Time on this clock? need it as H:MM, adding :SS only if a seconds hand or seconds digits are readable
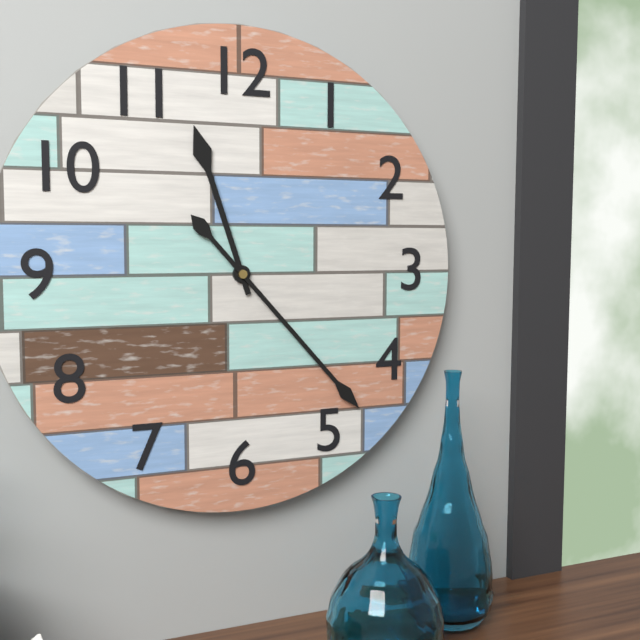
11:23
